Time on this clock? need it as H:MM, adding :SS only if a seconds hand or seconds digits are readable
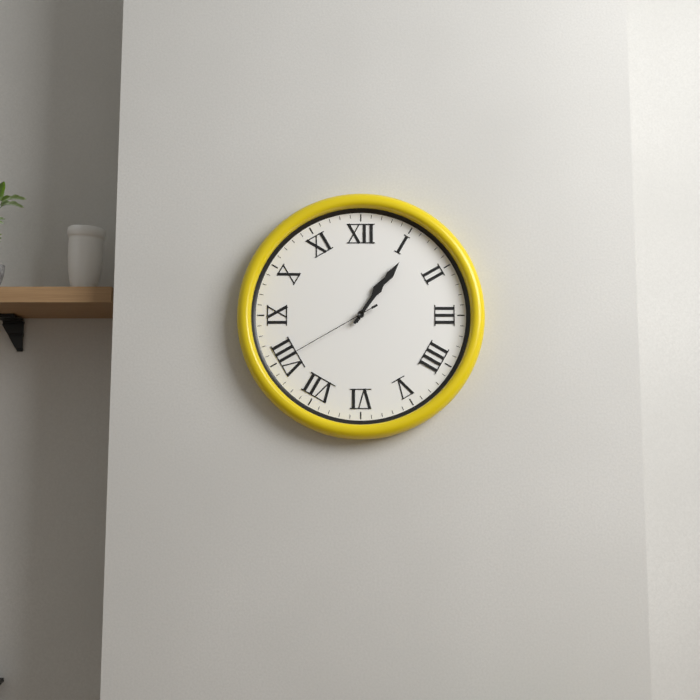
1:06:40
